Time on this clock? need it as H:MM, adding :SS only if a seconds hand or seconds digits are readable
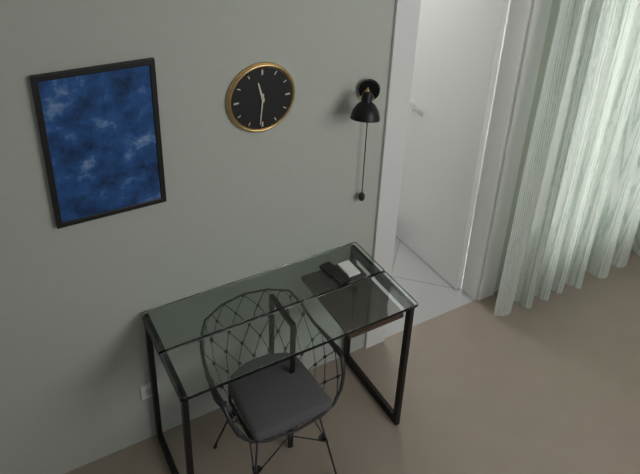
11:31
